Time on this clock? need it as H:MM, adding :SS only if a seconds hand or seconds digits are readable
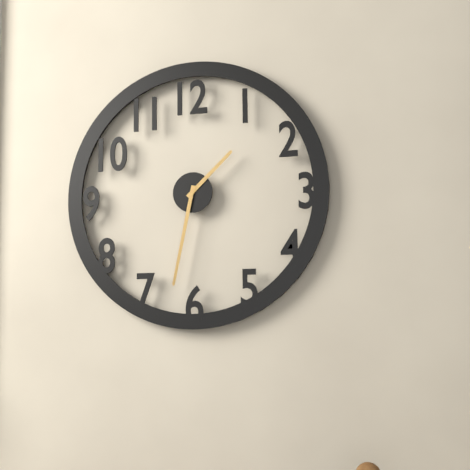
1:32
